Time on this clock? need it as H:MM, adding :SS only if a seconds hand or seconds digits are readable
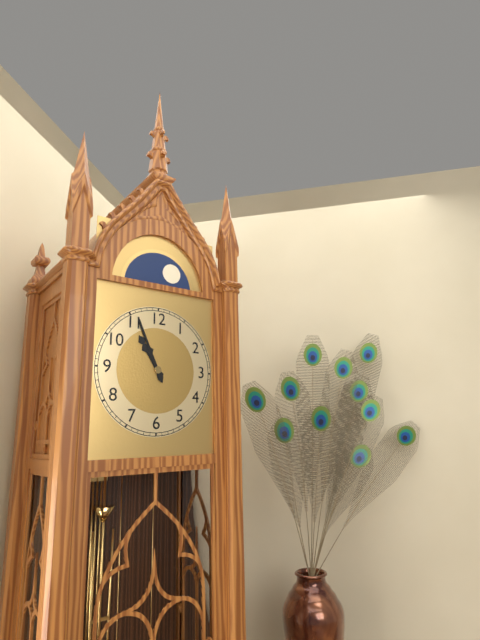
10:56
